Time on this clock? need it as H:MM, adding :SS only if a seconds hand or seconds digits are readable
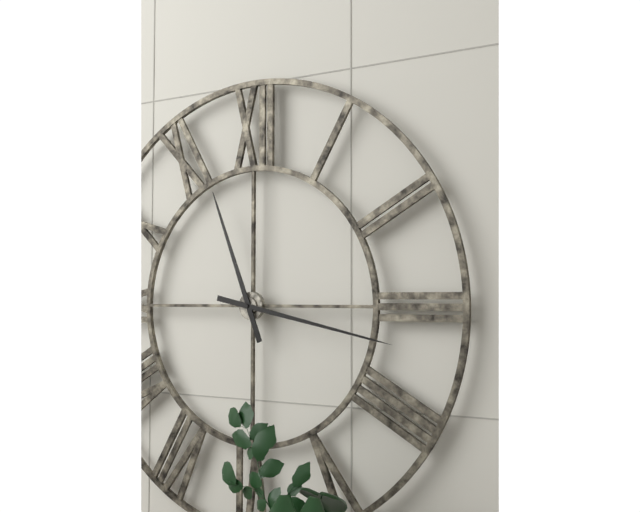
11:17
